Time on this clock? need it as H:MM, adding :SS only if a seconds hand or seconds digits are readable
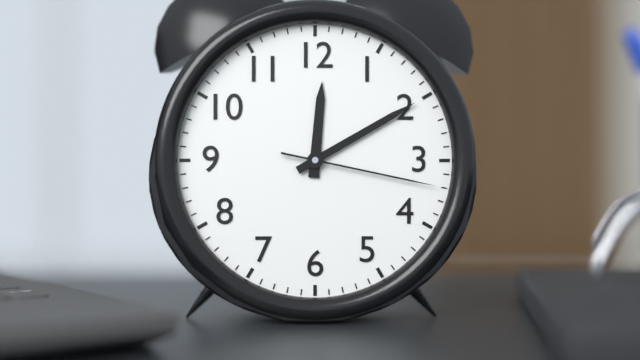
12:10:17
